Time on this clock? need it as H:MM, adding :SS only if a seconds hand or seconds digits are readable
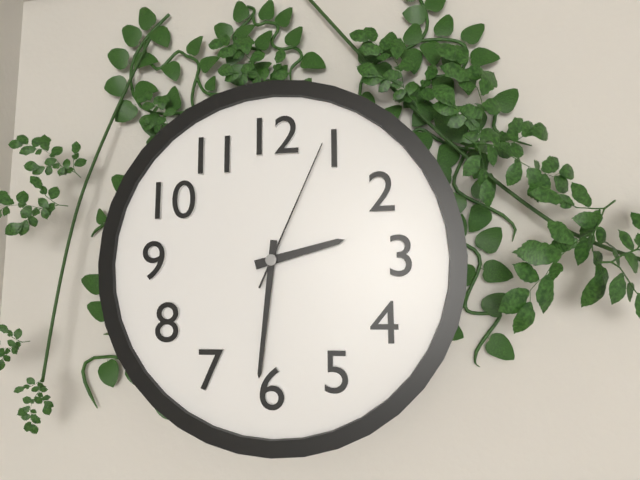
2:31:04
